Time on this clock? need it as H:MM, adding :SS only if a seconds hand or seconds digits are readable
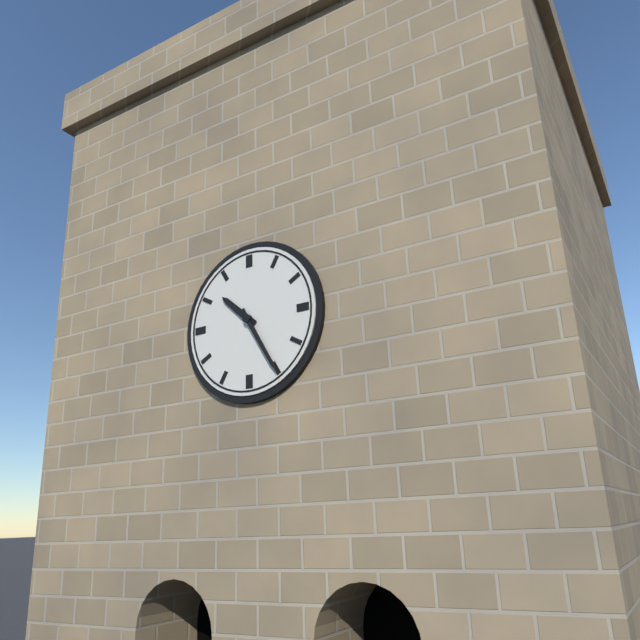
10:25
